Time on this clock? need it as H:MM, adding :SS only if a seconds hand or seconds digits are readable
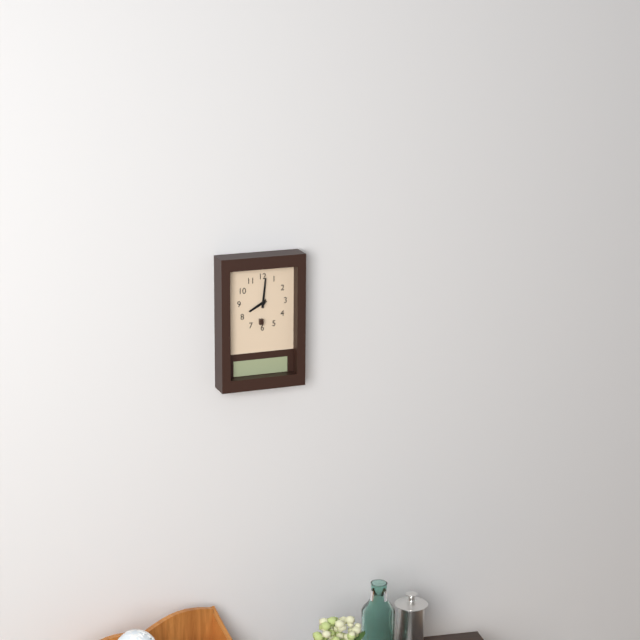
8:01
